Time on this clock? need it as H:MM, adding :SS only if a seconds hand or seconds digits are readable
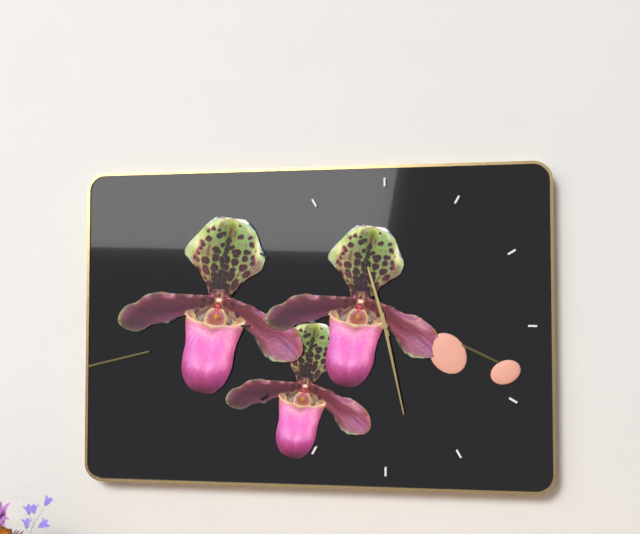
11:28
